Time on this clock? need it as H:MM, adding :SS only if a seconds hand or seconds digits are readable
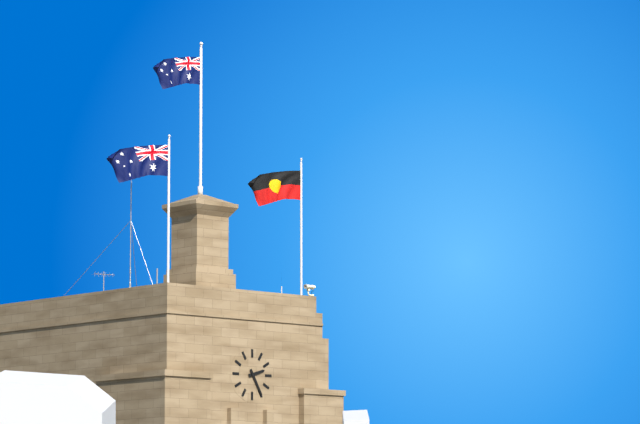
2:25
